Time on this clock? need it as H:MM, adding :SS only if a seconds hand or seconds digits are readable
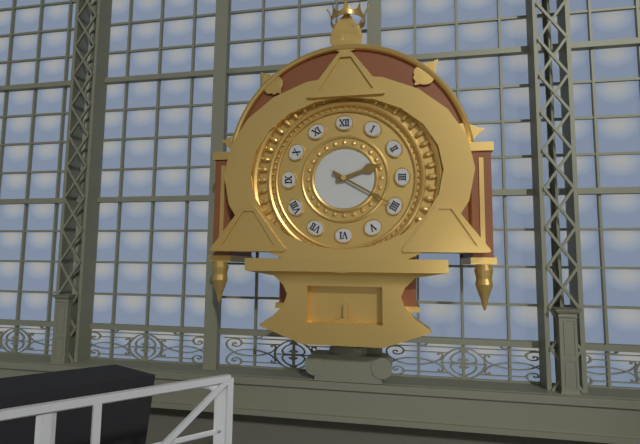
2:20
